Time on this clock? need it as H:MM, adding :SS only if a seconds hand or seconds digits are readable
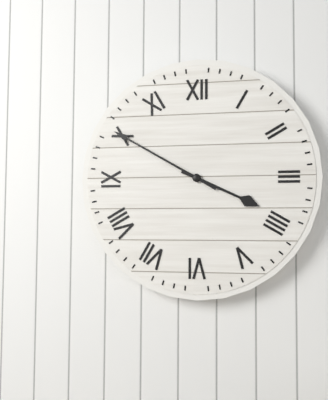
3:50
